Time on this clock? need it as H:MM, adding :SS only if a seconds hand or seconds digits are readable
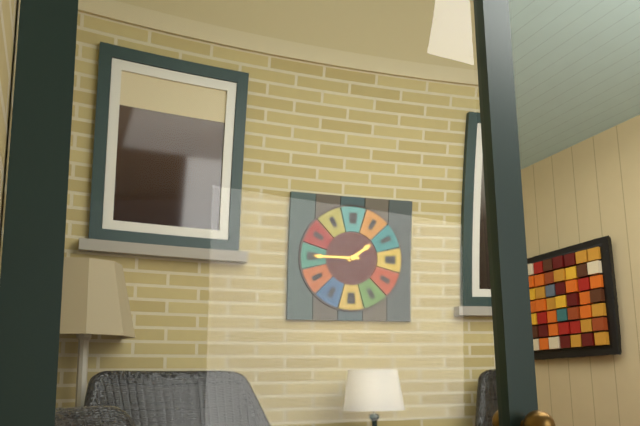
1:45
